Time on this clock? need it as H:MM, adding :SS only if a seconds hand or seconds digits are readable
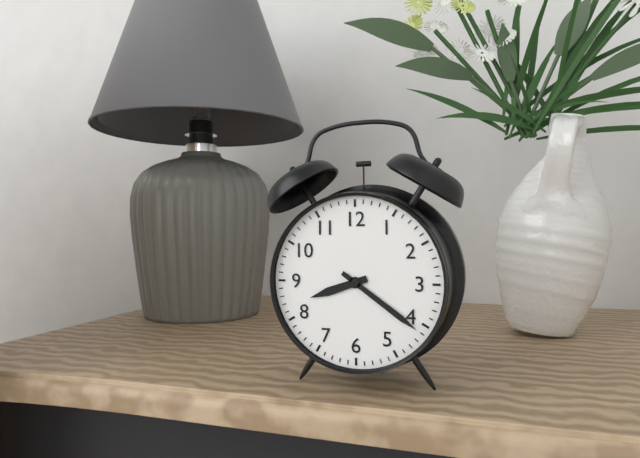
8:21
